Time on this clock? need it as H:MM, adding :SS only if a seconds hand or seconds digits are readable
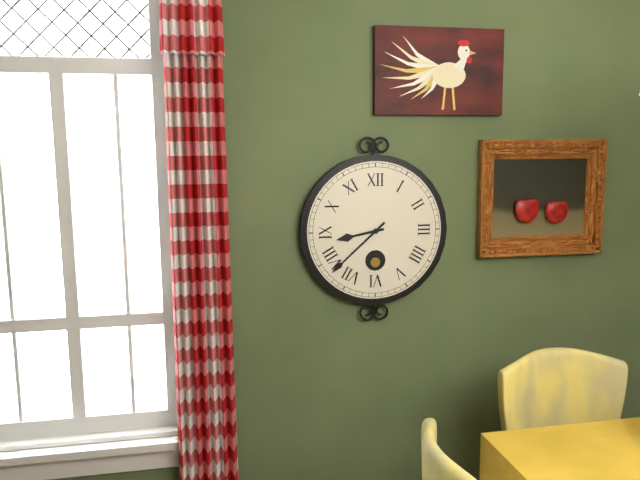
8:38
